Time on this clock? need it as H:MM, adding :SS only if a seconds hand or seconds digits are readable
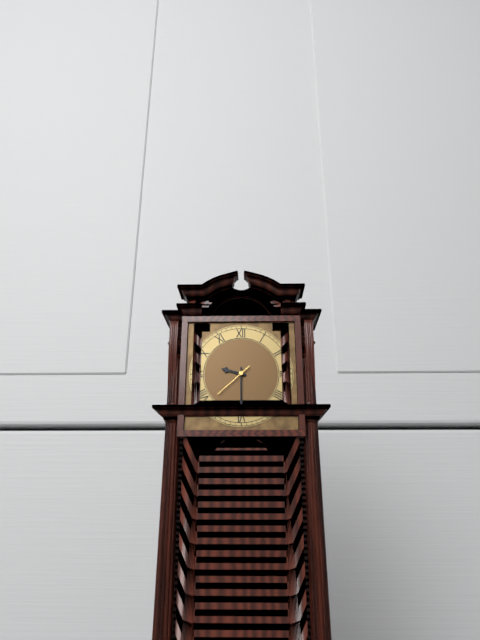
9:30
